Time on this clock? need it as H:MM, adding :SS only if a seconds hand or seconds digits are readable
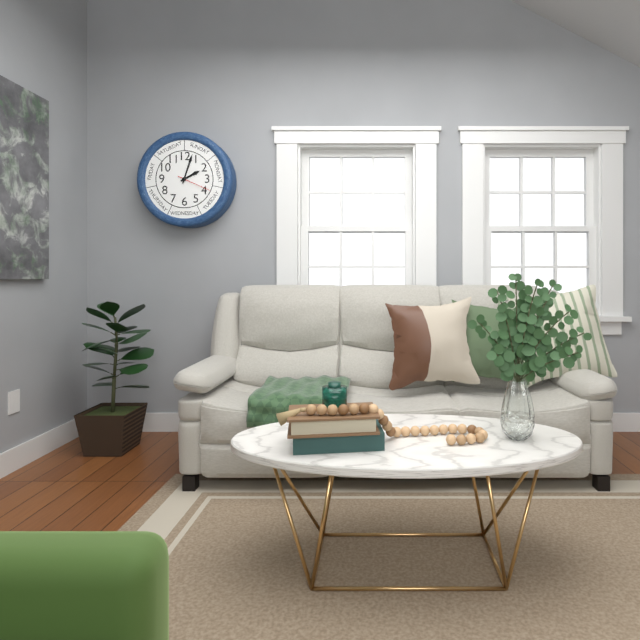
2:03
